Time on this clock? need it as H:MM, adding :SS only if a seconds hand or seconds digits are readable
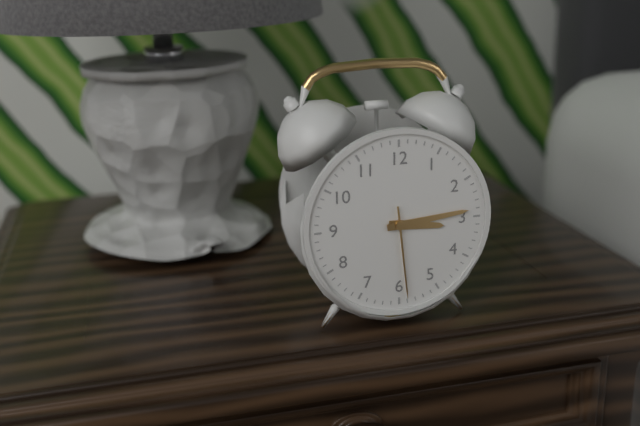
3:14:29
